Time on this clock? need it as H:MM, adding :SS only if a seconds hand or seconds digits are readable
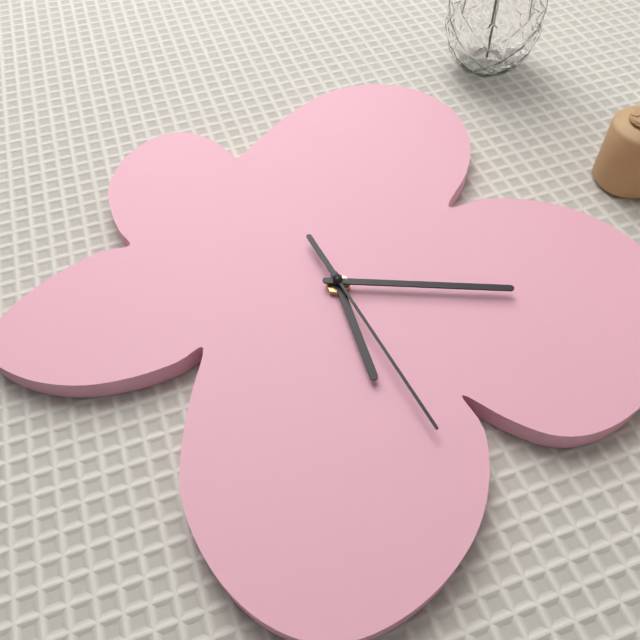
4:09:19
